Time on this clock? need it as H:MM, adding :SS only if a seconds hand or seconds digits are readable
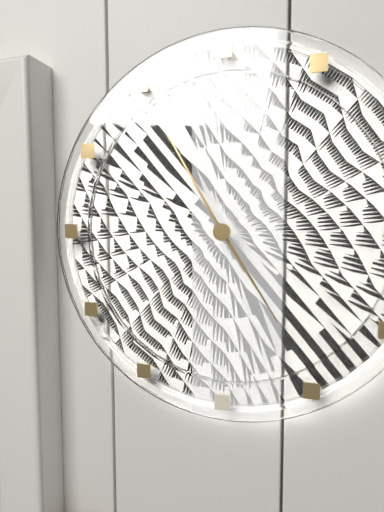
4:55
